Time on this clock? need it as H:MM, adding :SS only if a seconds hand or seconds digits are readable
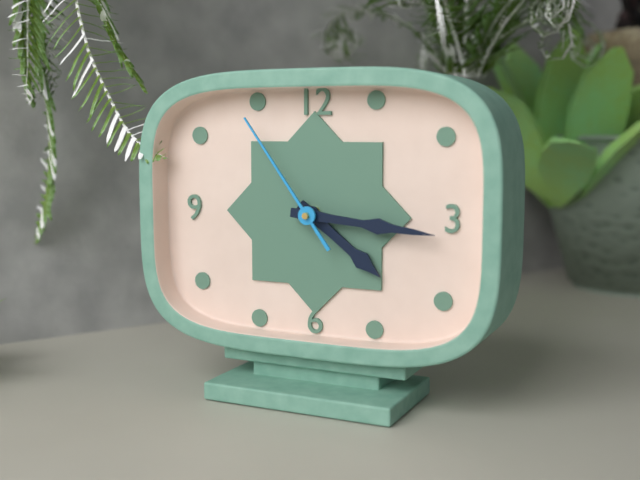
4:16:54
